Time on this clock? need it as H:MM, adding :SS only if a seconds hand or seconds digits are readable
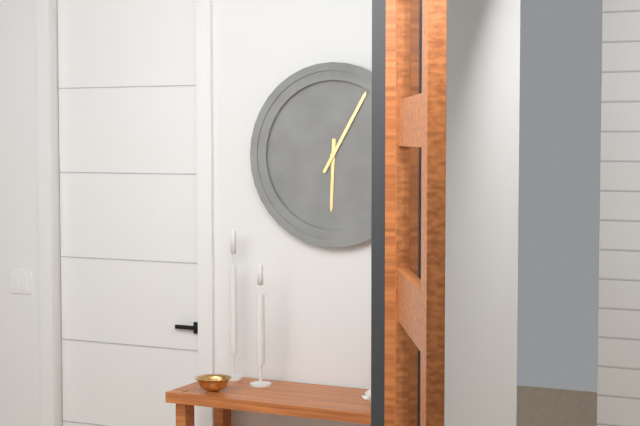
6:05
